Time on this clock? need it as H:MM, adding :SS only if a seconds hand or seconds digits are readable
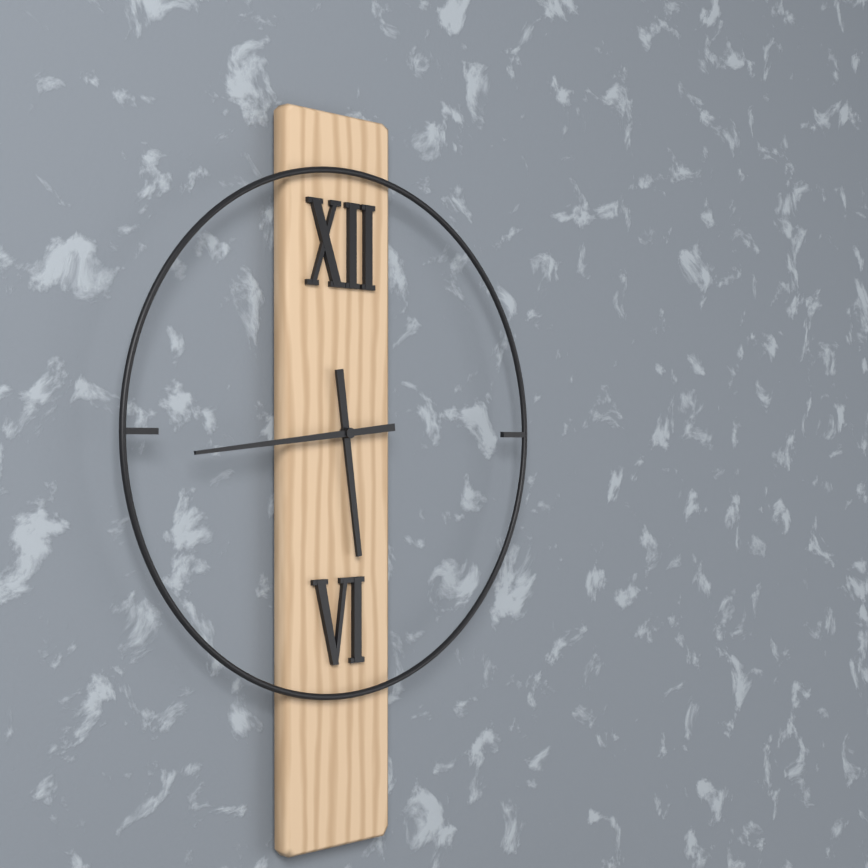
5:44
